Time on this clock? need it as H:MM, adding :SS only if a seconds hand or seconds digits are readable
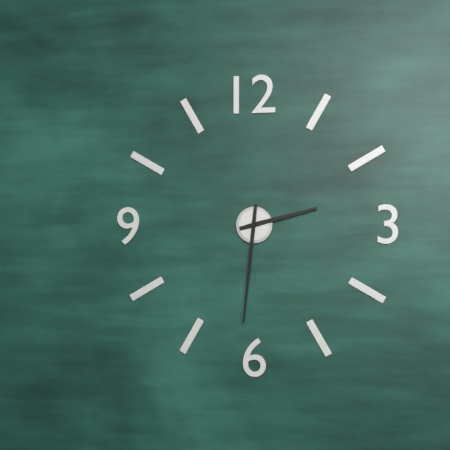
2:31
